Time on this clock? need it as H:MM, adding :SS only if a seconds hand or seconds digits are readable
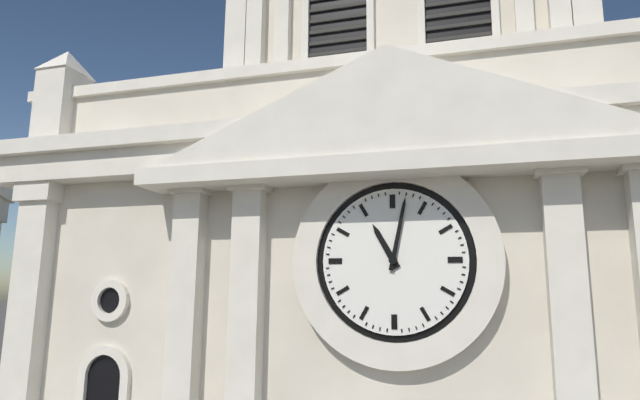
11:02
